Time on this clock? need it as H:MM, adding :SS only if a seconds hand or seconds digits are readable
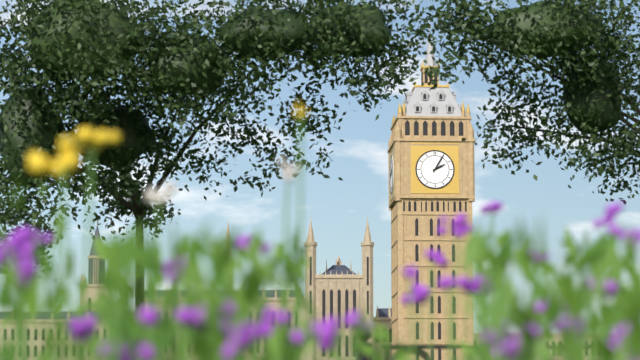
2:05
